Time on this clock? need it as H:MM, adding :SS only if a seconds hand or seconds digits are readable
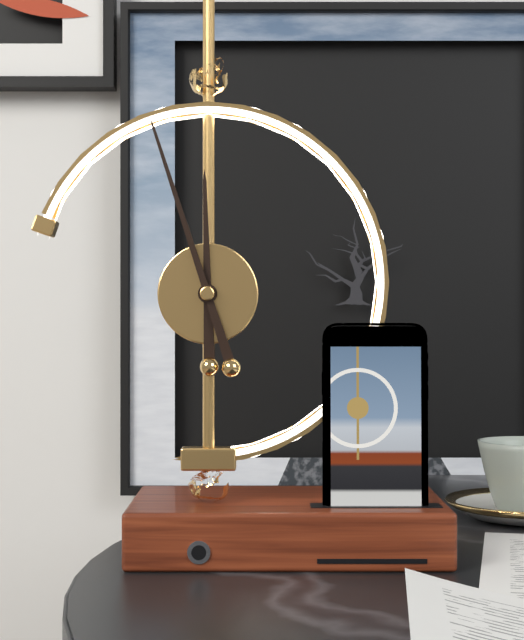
11:57
